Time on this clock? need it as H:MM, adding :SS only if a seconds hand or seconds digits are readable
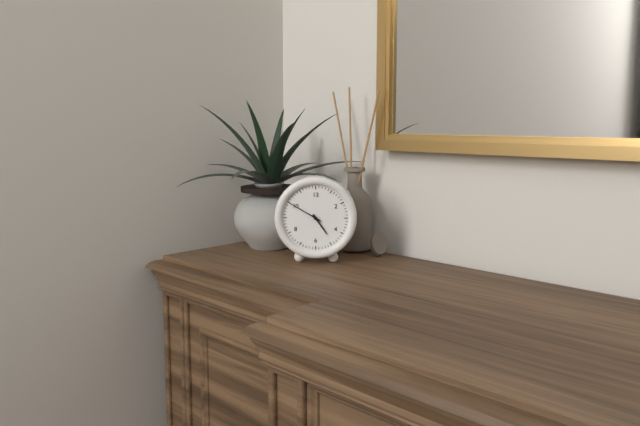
4:50
